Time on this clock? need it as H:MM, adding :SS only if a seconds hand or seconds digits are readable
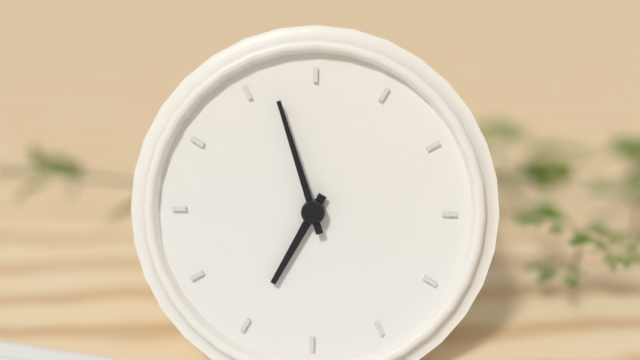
6:57
